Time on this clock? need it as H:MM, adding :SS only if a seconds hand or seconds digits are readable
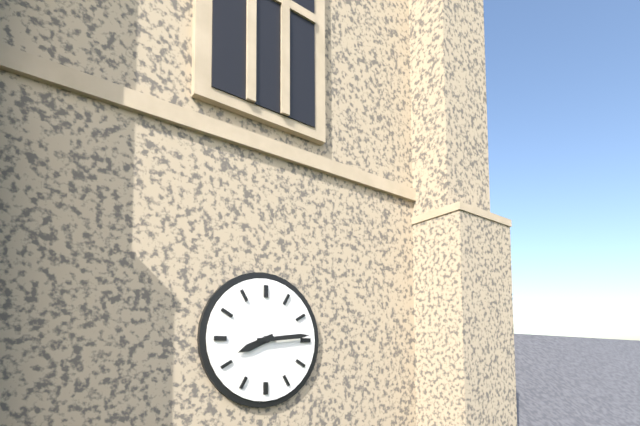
8:14
